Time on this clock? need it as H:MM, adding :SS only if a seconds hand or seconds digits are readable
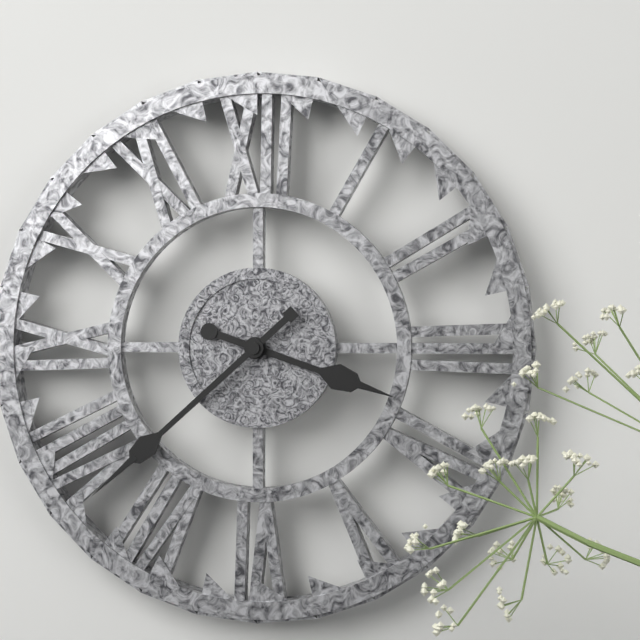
3:38
